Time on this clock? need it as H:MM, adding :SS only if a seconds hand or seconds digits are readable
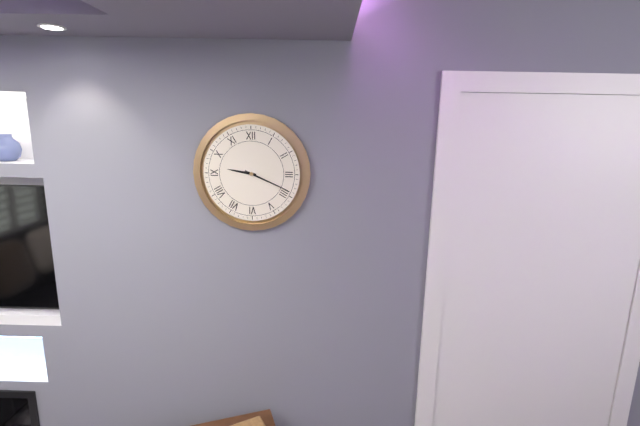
9:19
